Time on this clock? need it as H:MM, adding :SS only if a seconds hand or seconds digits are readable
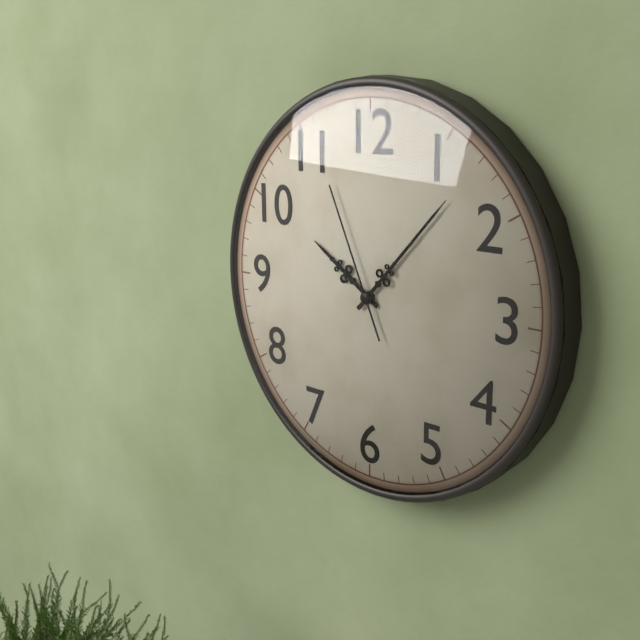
10:07:56
